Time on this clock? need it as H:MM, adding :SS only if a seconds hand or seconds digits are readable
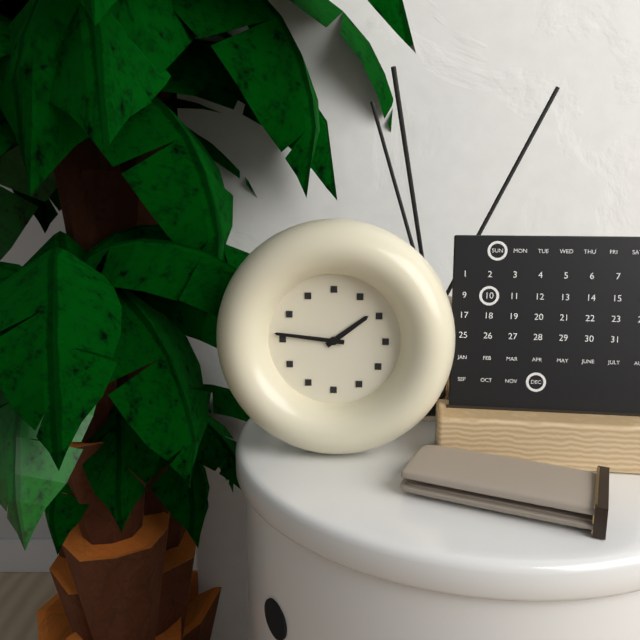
1:46
